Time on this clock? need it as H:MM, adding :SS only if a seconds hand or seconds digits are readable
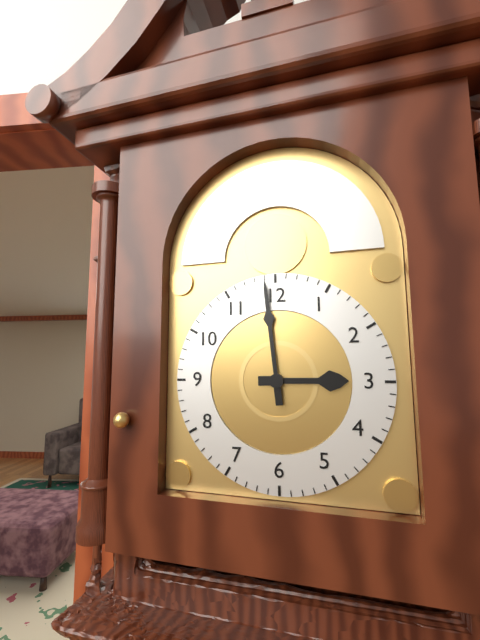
2:59
